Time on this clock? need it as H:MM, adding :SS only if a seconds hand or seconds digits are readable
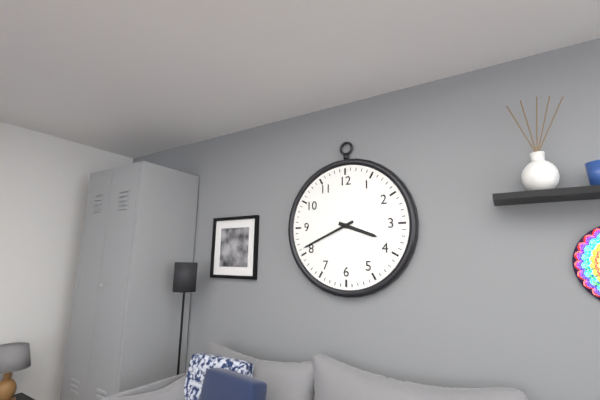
3:41
